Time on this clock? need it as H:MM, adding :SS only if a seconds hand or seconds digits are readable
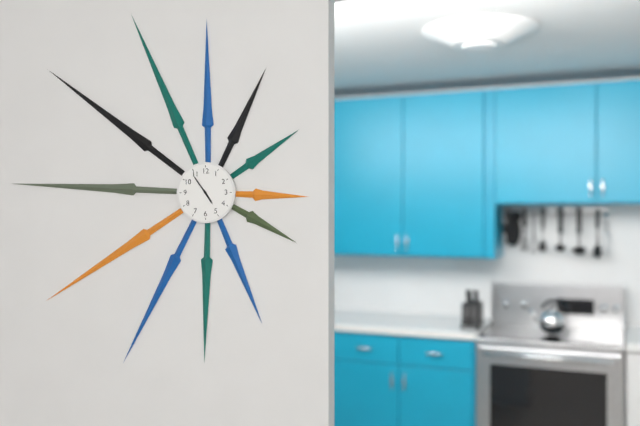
4:54
